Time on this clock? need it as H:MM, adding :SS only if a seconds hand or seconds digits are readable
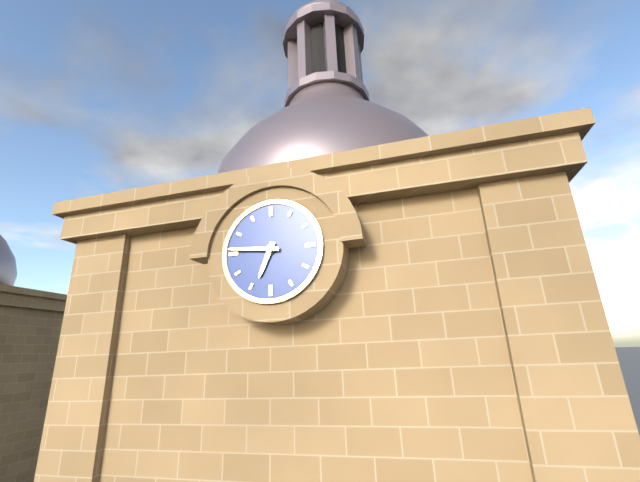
6:46
